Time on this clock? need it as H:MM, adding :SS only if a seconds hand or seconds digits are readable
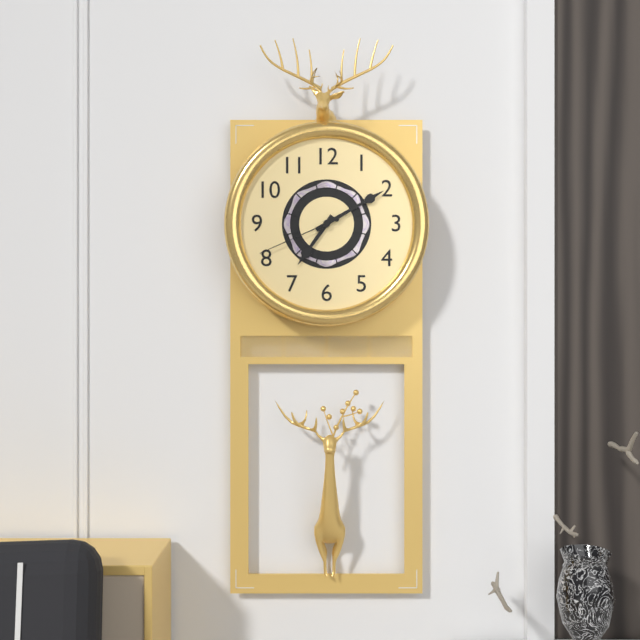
7:10:41
